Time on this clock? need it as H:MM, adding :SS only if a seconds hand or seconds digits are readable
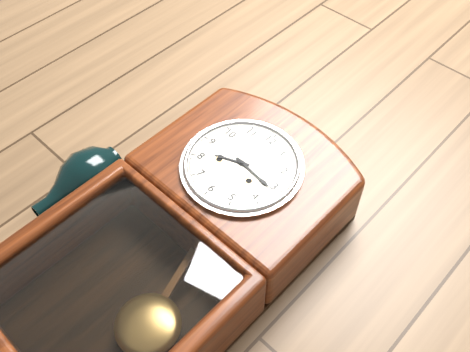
8:16
